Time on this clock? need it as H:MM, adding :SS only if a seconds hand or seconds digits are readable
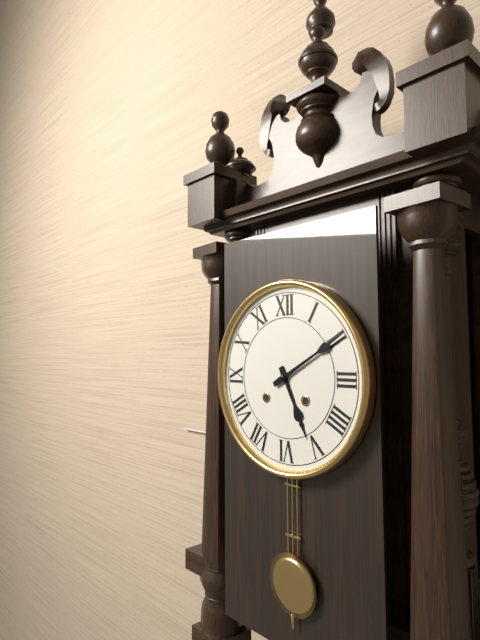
5:10
